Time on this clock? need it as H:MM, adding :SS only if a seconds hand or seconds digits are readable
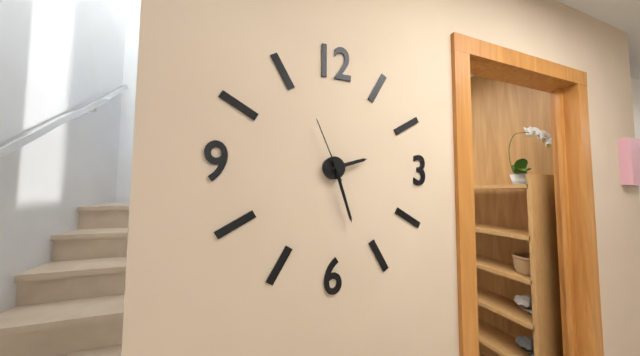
2:27:56
